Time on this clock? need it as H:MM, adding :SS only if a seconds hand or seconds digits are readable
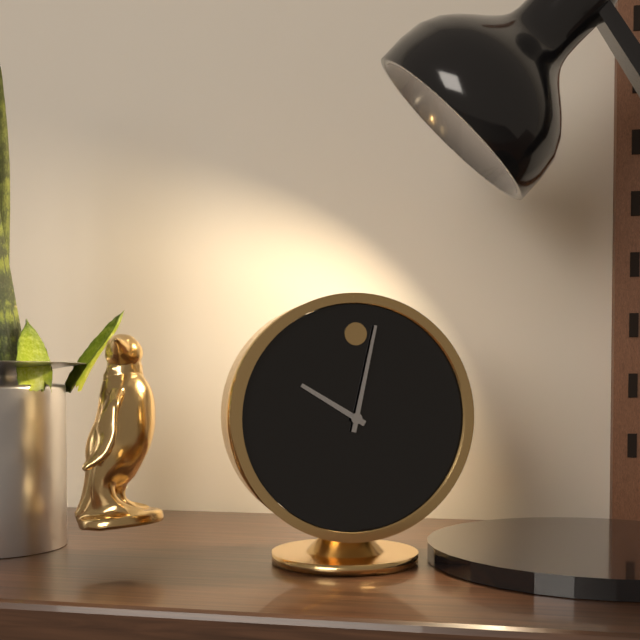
10:02
